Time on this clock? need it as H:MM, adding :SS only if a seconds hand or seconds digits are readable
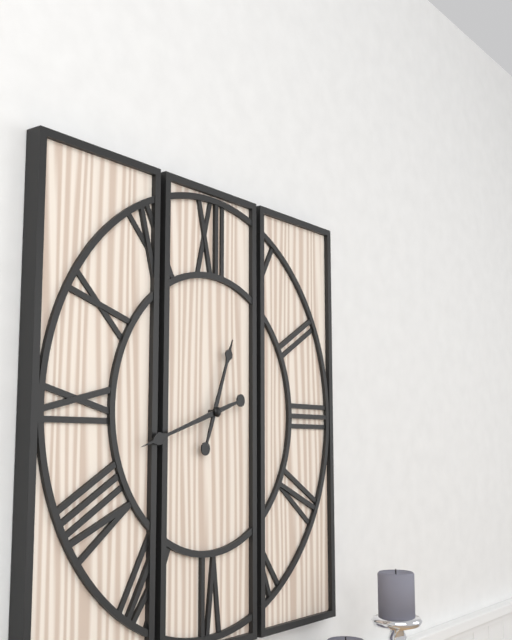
12:42
